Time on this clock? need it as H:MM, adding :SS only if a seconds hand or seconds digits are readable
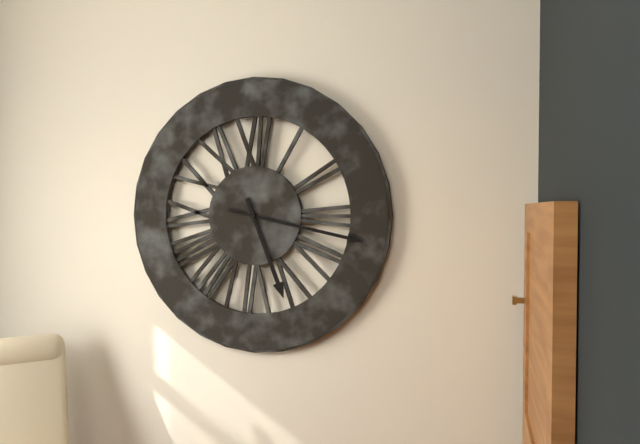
5:17
